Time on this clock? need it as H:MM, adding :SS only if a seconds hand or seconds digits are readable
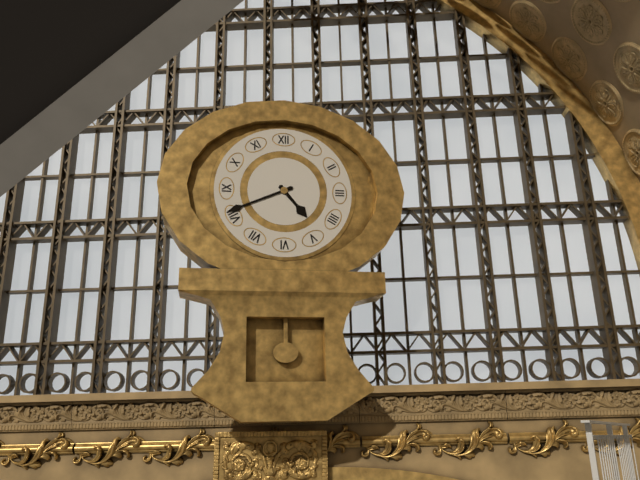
4:41
